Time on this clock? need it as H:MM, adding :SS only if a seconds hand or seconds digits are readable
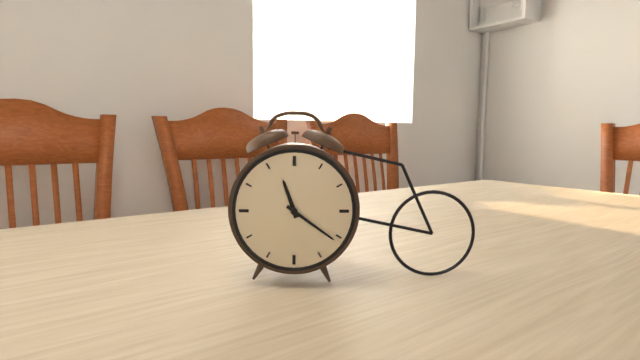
11:21
